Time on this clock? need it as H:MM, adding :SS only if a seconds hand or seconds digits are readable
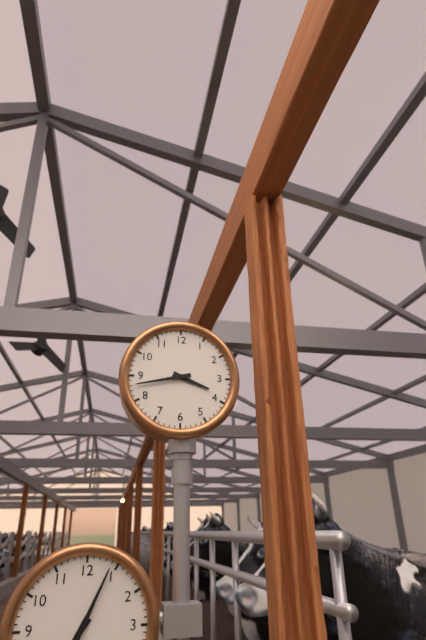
3:43
